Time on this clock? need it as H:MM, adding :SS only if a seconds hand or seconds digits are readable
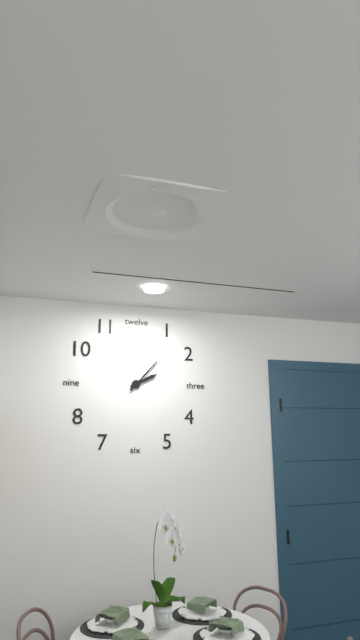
2:07
